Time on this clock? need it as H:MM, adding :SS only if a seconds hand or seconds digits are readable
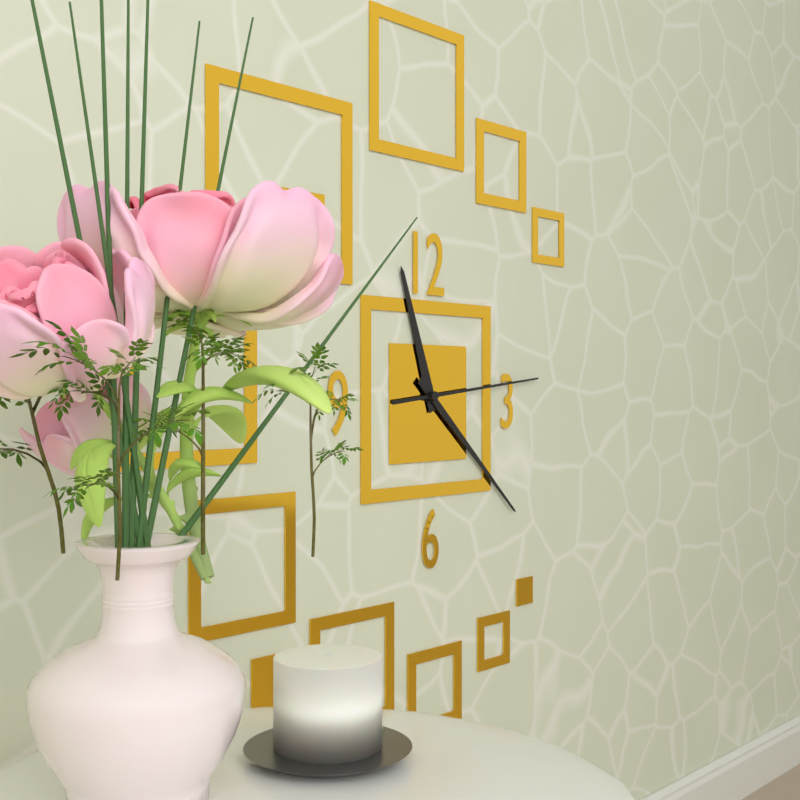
11:22:14
